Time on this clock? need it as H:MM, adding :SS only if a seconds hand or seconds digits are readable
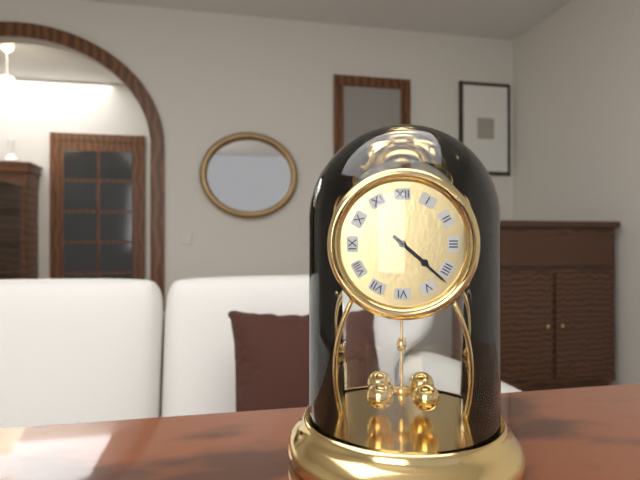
4:22
